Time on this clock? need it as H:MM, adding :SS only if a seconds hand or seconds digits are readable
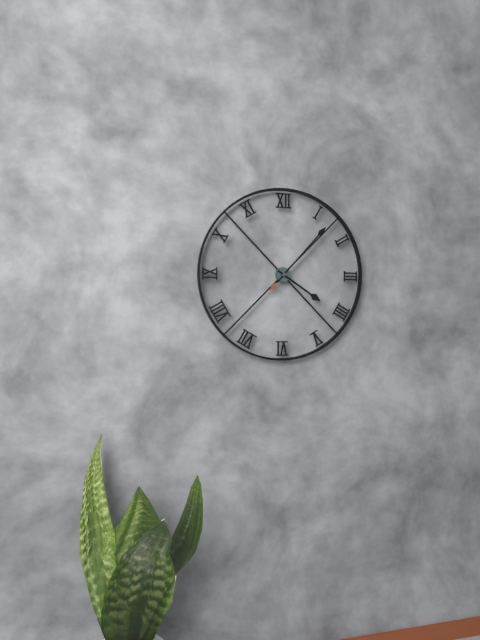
4:07
